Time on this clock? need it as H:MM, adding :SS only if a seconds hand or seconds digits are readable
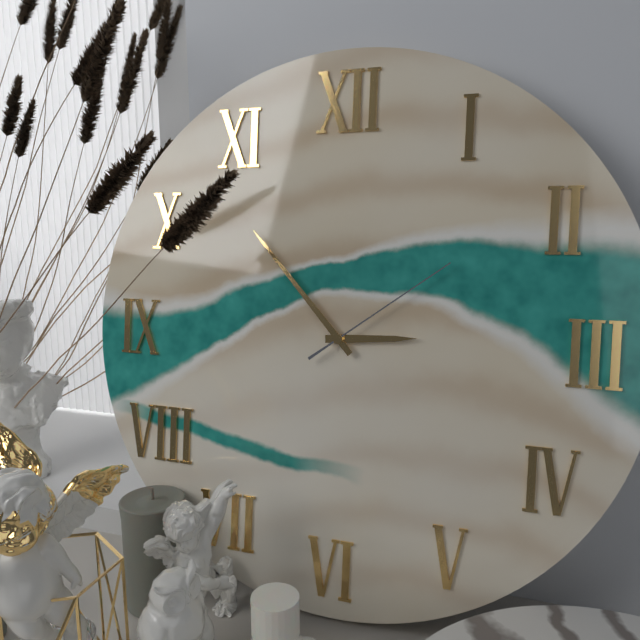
2:53:09
